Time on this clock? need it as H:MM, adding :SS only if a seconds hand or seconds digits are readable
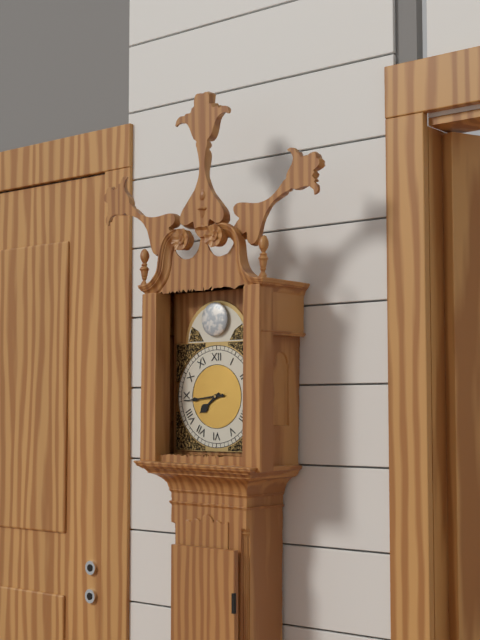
7:44
